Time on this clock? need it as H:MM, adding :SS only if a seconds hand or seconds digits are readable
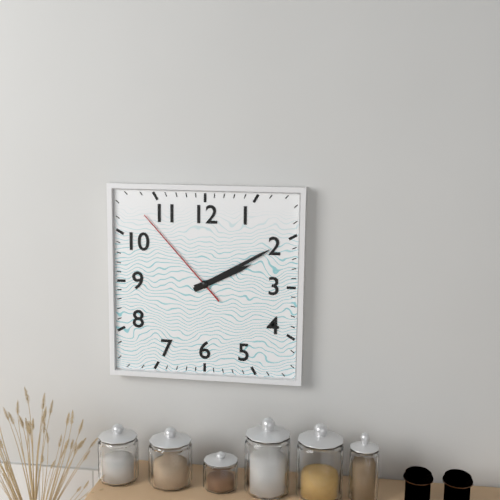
2:10:53
